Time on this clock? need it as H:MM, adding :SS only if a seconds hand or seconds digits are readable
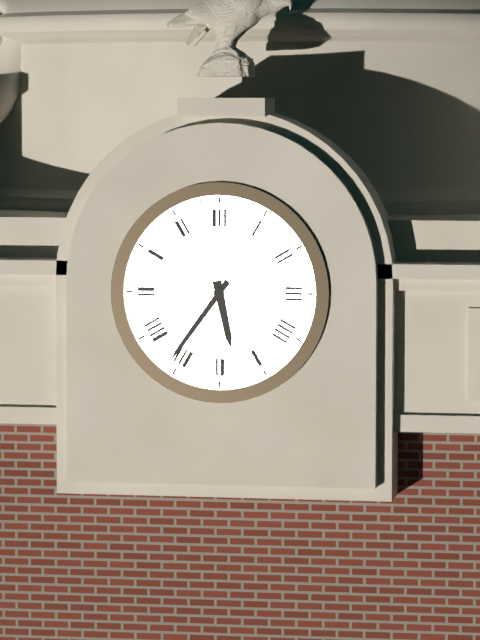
5:36
